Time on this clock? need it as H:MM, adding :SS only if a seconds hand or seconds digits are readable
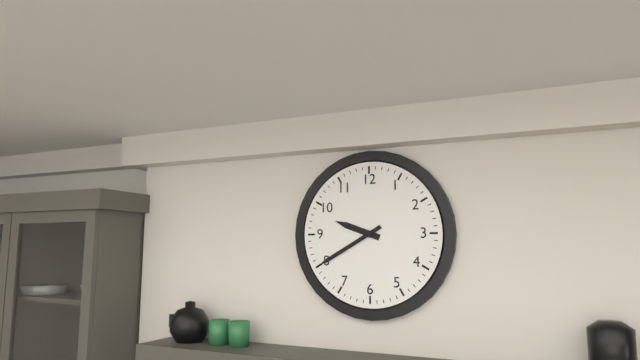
9:40
